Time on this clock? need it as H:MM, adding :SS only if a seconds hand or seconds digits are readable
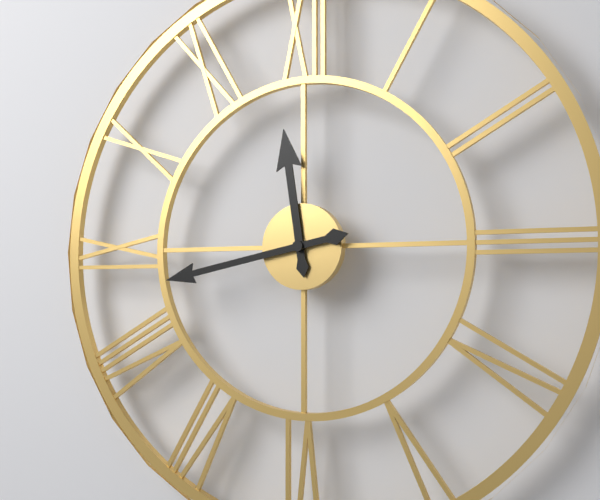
11:43
